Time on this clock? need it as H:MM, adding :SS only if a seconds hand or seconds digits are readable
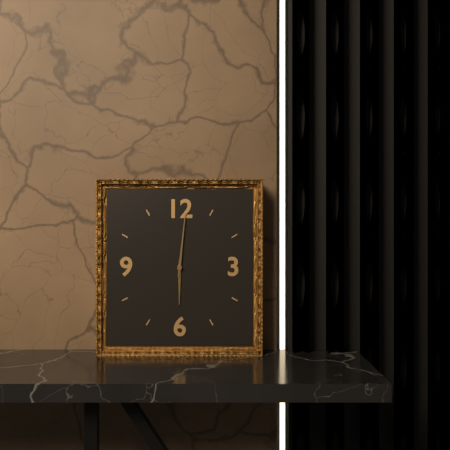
6:01
